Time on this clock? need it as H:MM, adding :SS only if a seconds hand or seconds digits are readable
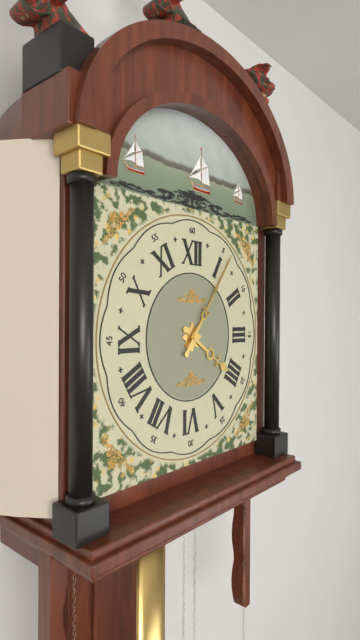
4:06
